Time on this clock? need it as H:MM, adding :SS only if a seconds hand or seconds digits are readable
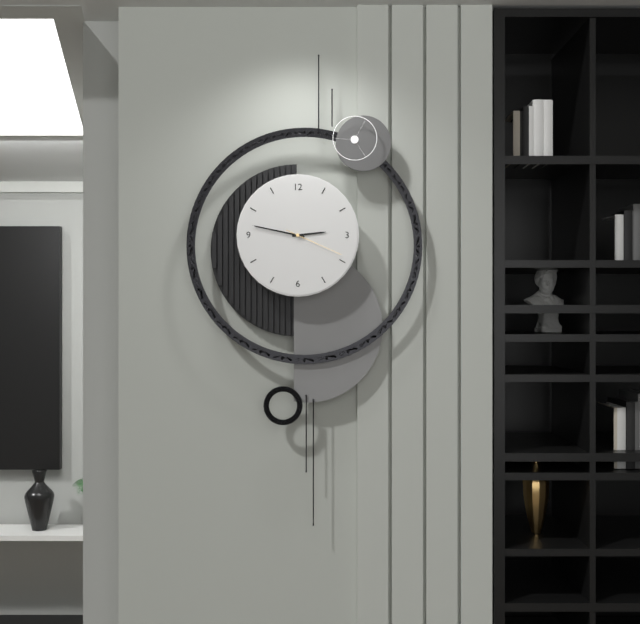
2:47:19
